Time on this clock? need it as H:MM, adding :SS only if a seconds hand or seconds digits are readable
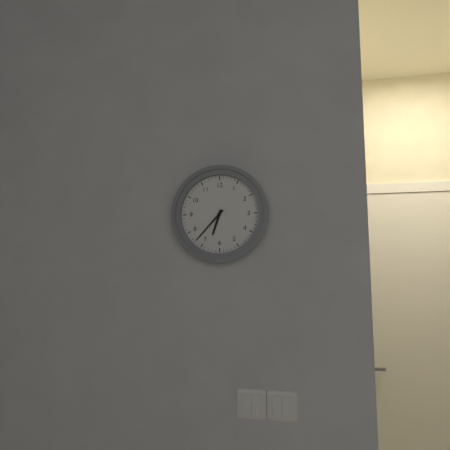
6:37
